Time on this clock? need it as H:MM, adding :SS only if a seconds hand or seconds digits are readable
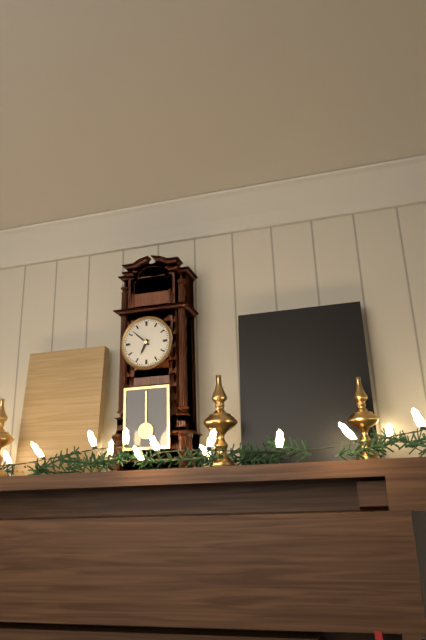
6:52
